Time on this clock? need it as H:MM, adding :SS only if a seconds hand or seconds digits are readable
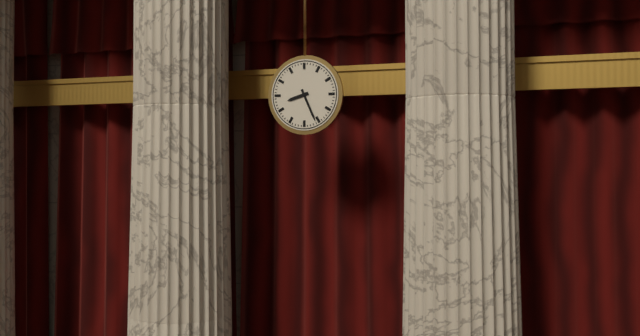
8:26
